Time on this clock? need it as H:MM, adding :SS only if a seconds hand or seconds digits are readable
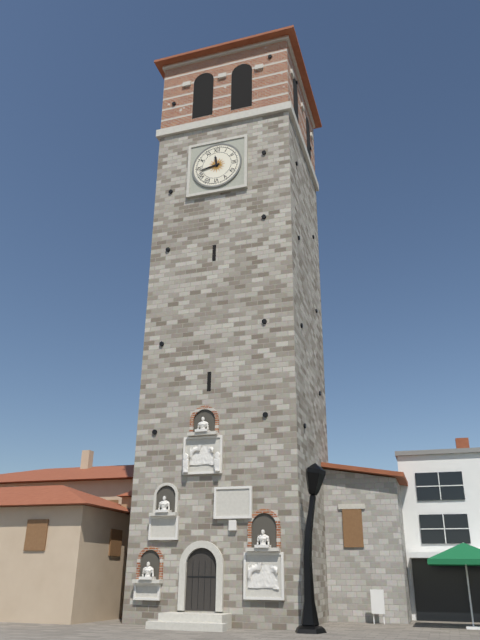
11:43
